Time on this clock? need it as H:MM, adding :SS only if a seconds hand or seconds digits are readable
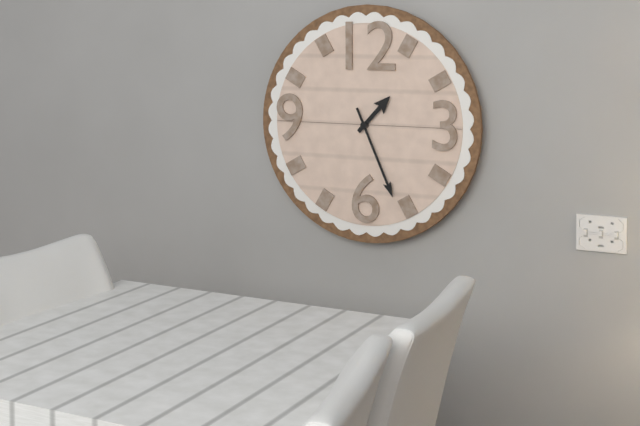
1:26
